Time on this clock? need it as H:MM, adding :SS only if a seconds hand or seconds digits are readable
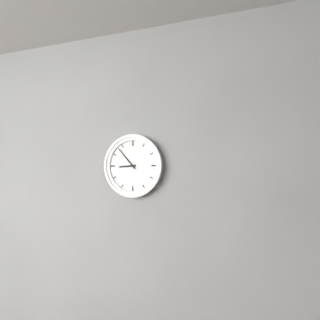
8:53
